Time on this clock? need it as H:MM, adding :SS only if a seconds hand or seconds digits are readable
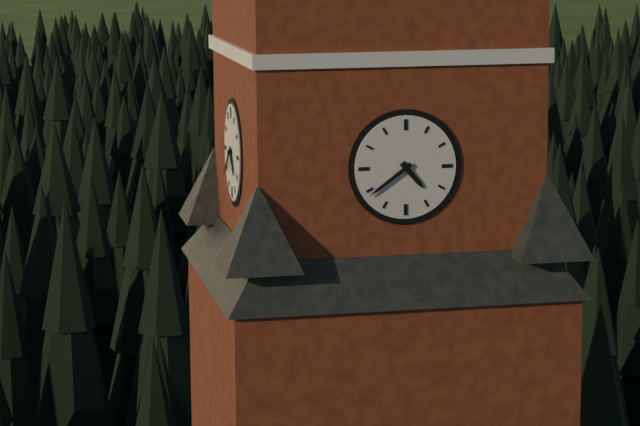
4:39
